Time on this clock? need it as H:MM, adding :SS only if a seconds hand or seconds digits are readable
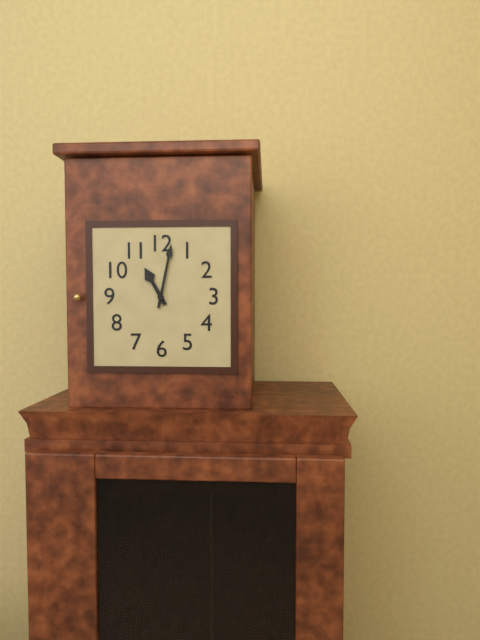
11:02
